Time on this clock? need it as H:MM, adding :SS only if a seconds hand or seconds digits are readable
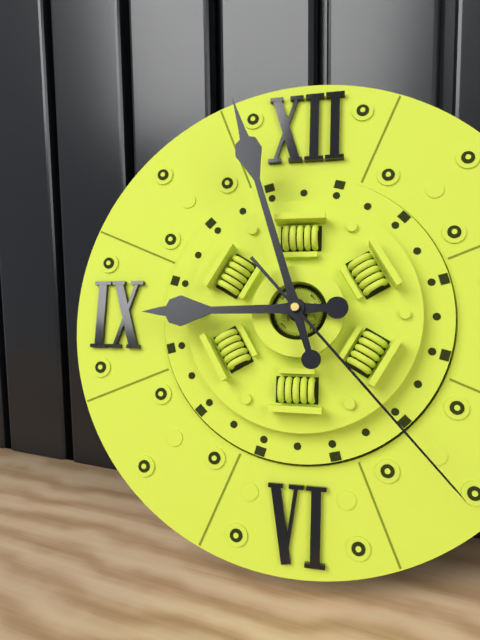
8:57:23
